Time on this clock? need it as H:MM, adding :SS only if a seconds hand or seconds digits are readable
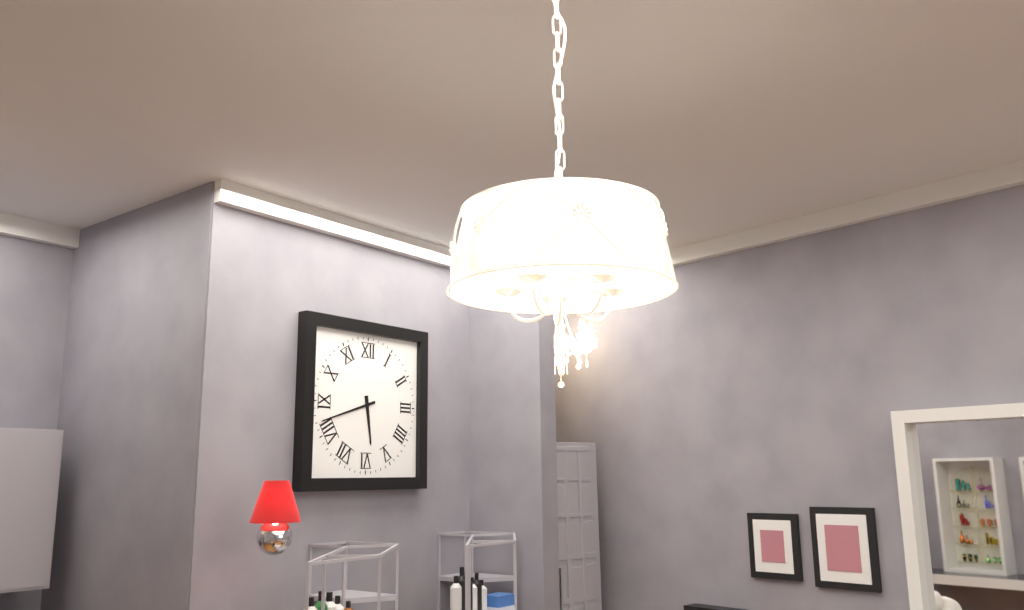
5:42
